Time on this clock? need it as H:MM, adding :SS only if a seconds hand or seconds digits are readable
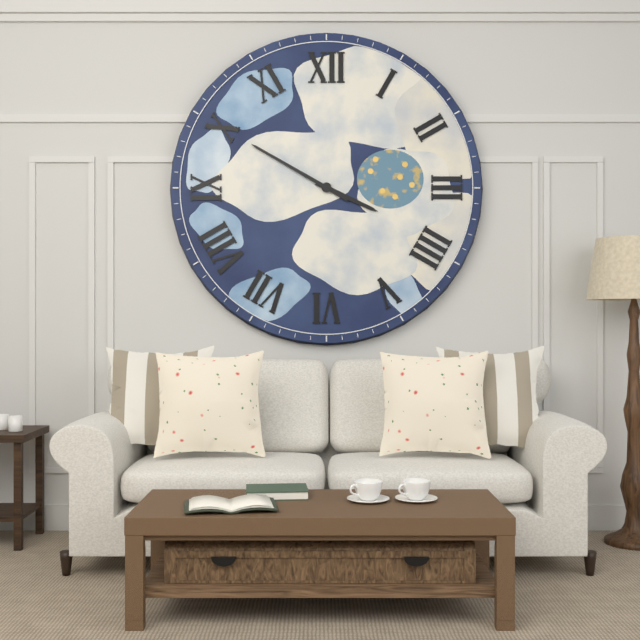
3:50
